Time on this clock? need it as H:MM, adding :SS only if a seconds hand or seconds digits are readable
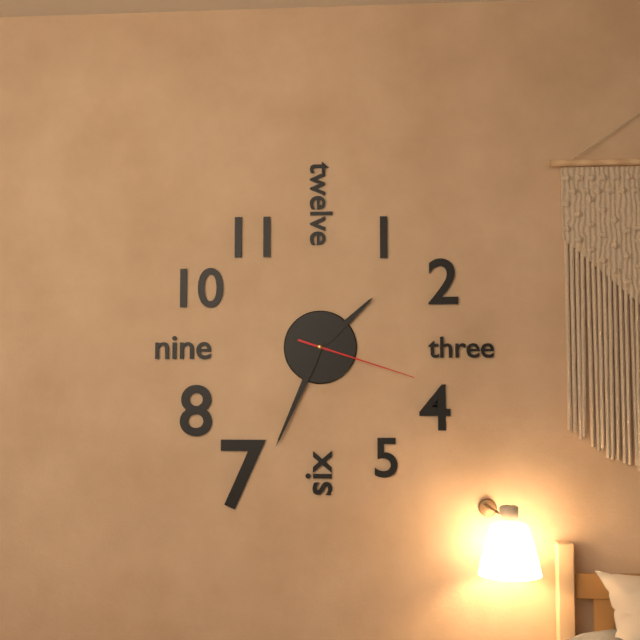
1:34:18
